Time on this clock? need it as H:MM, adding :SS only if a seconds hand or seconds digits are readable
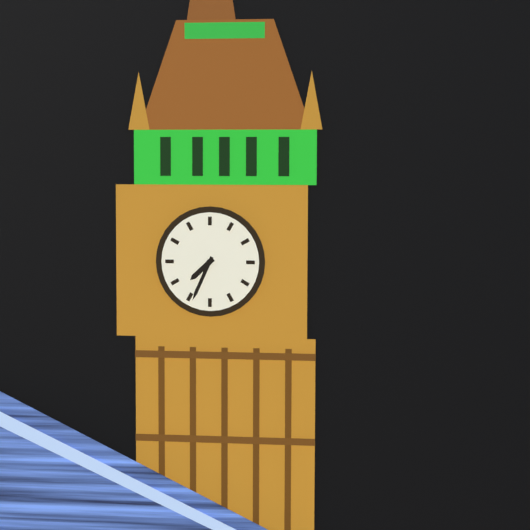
7:34
